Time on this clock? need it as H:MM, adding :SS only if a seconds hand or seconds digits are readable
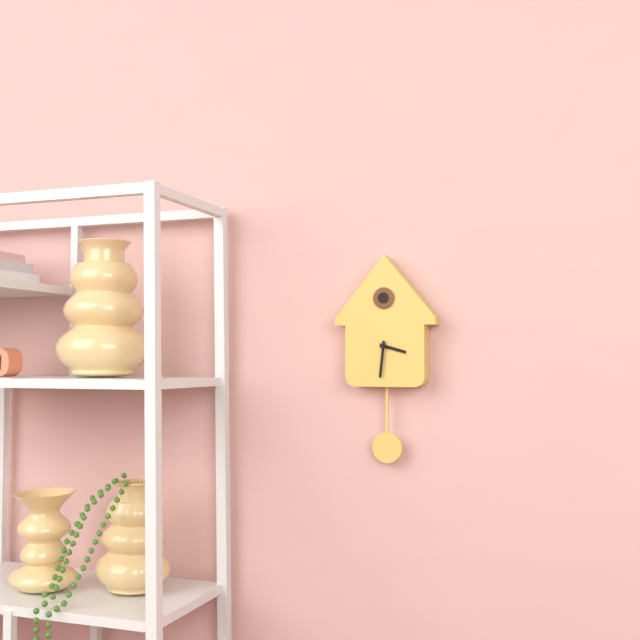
3:31
